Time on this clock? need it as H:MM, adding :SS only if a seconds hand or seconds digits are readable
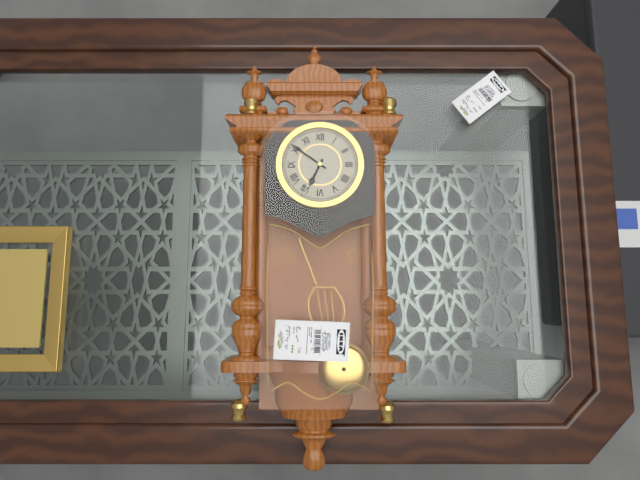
6:51
